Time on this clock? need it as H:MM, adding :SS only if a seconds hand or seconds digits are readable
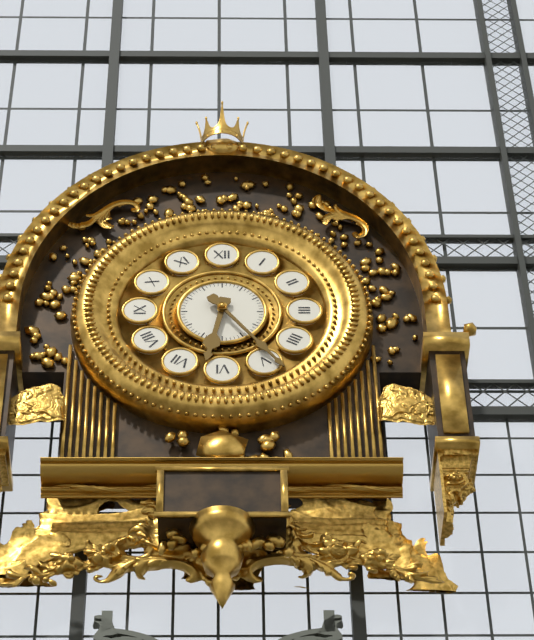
6:24
